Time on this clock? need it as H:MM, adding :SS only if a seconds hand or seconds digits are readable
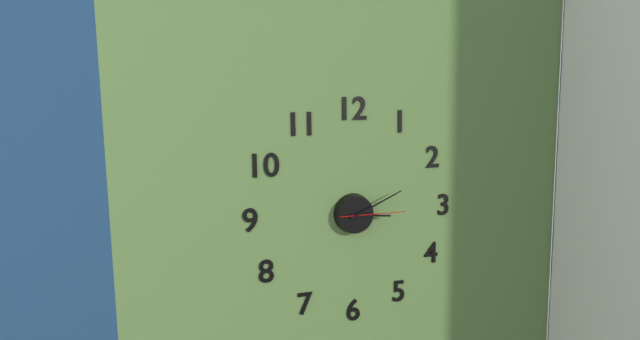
3:11:15
